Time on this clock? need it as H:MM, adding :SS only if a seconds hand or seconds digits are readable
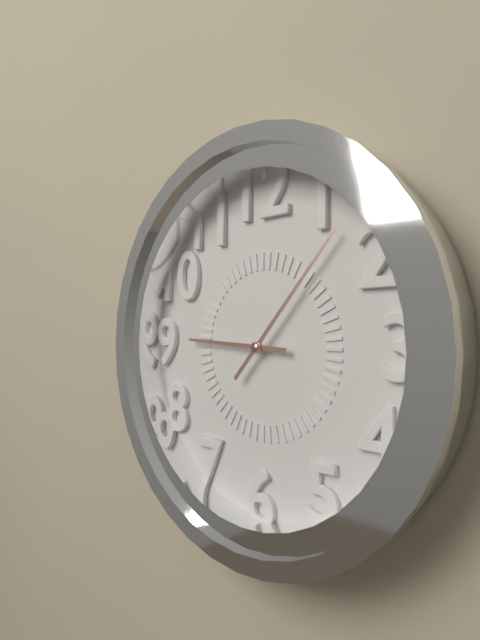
9:07
